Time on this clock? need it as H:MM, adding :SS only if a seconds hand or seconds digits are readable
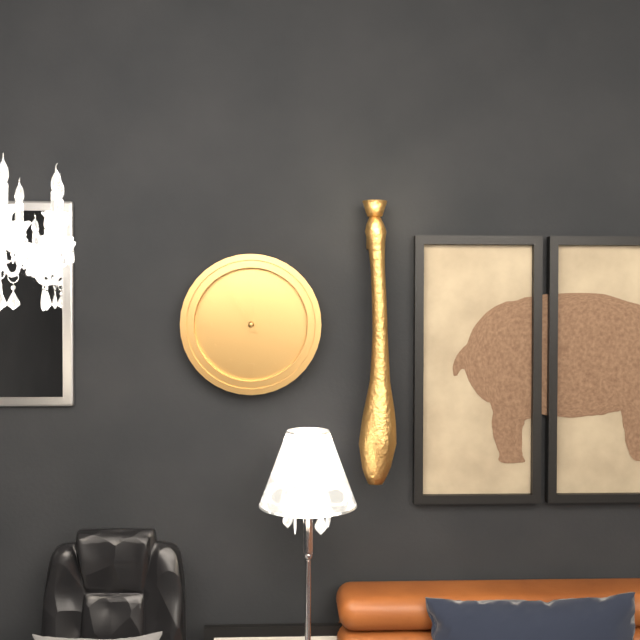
11:54
